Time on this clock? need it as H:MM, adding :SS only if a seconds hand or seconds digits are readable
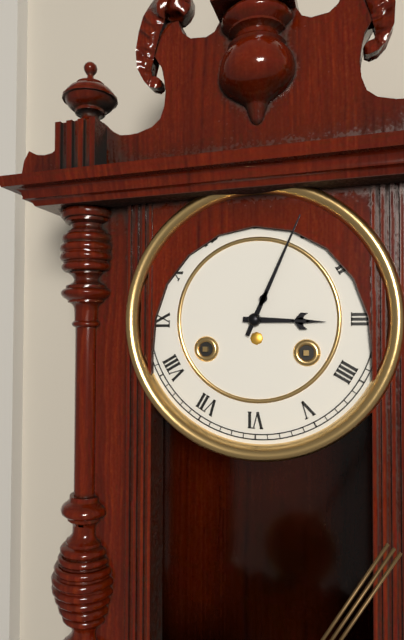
3:04
